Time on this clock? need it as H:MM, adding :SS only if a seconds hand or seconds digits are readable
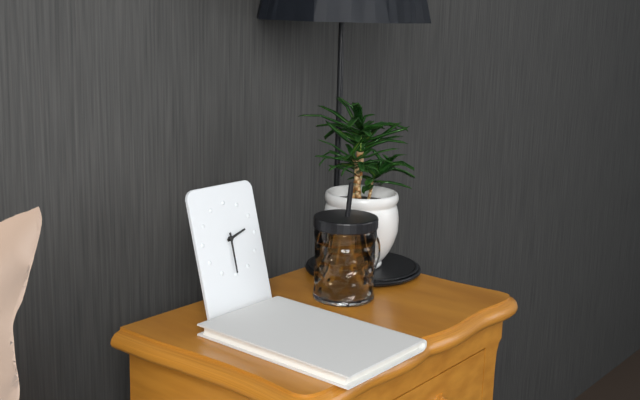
2:30
